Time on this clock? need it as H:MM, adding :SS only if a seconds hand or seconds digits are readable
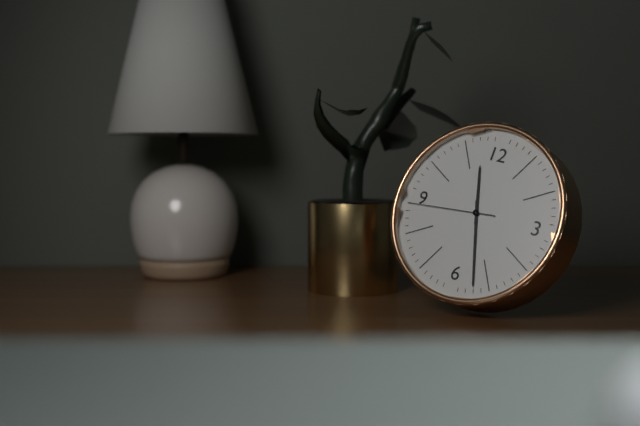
11:27:44
